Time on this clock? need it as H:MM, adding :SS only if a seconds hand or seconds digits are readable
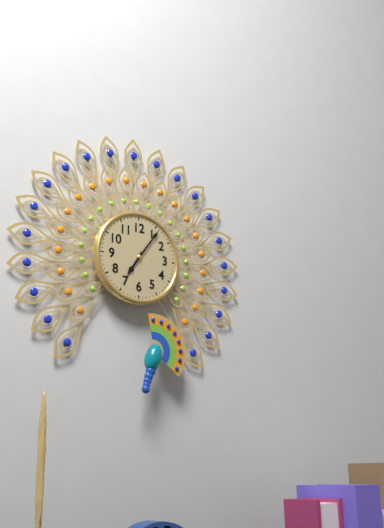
7:06
